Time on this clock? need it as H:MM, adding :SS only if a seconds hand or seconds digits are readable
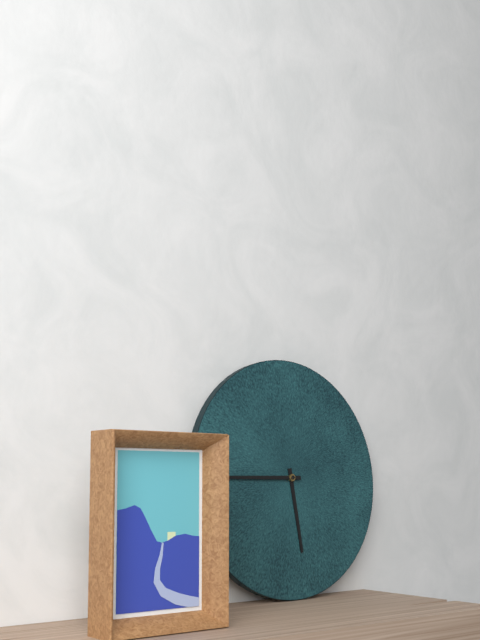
5:45
